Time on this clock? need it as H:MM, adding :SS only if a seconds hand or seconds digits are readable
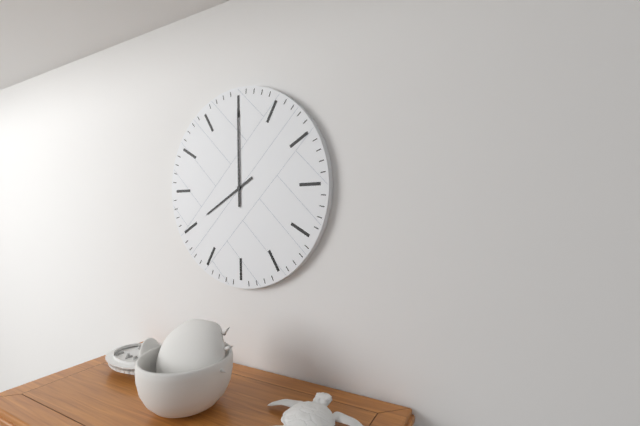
8:00
